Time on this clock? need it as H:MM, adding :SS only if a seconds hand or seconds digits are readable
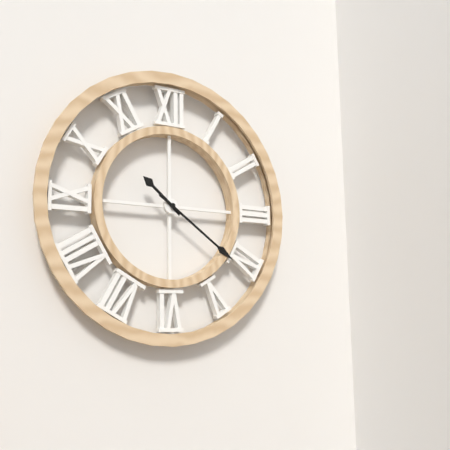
10:21
